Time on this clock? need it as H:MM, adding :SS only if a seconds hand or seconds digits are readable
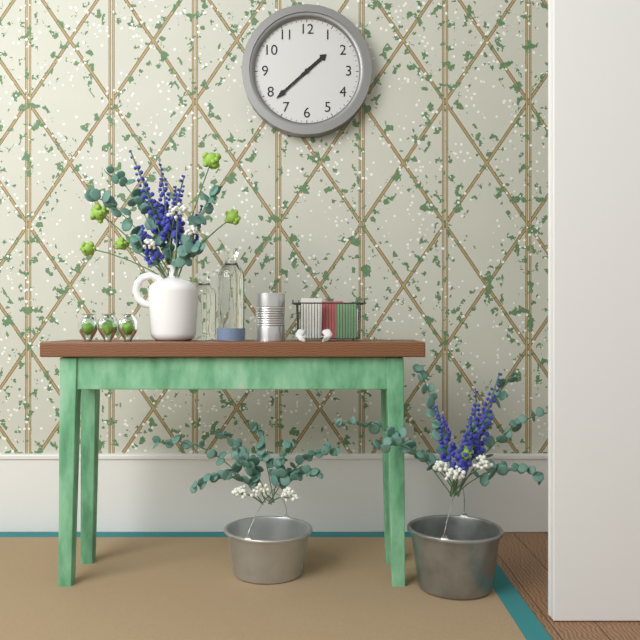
1:38
